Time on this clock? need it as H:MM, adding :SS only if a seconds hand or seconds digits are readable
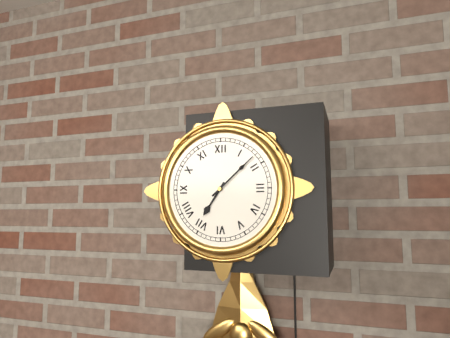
7:08
